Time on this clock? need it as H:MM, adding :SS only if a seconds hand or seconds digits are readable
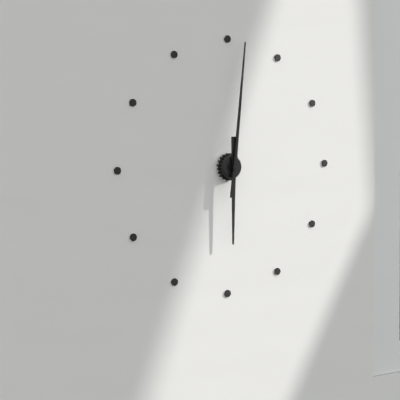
6:01
